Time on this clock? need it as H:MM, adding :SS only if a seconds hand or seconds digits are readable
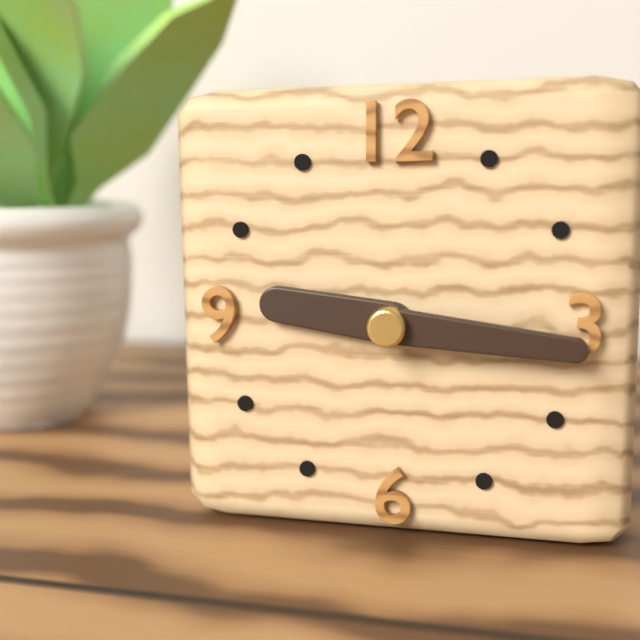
9:16
